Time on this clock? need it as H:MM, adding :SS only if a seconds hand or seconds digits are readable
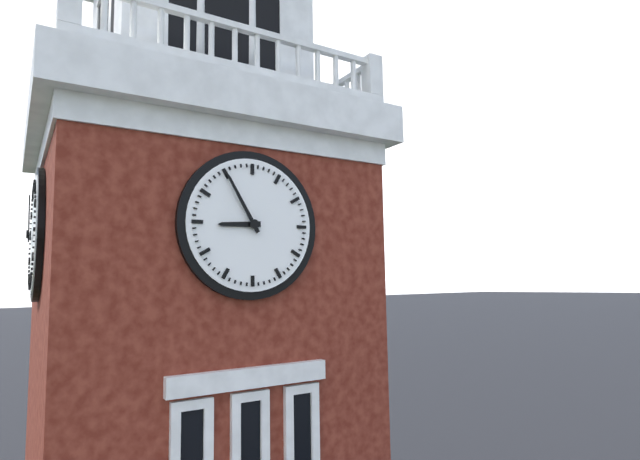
8:55
